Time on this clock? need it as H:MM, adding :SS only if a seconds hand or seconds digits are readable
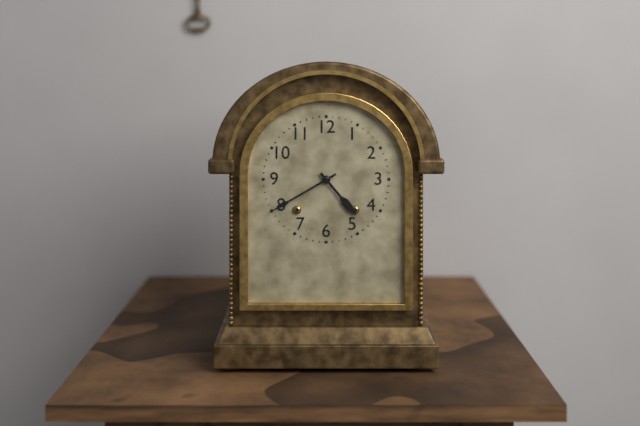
4:40
